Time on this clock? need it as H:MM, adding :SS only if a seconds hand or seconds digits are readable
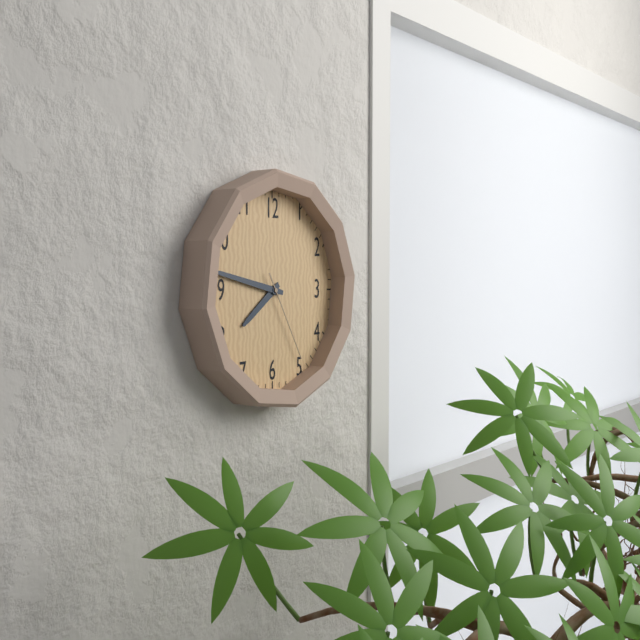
7:47:25
